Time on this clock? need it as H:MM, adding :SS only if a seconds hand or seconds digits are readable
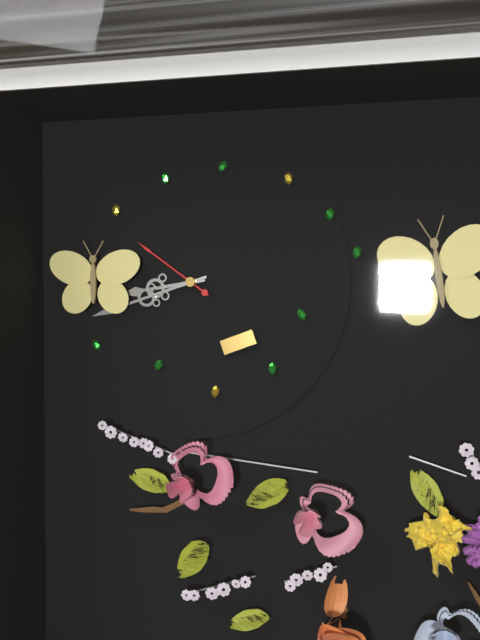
8:42:51
